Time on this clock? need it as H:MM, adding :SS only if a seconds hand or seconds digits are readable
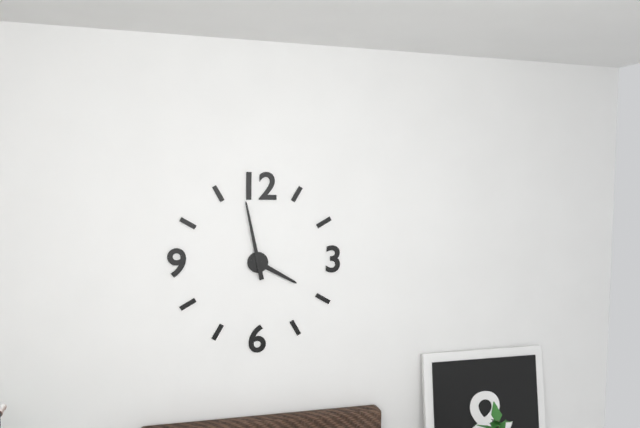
3:58
